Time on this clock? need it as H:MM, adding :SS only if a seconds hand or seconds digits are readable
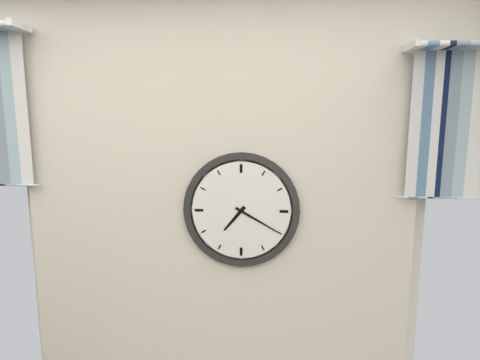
7:20
